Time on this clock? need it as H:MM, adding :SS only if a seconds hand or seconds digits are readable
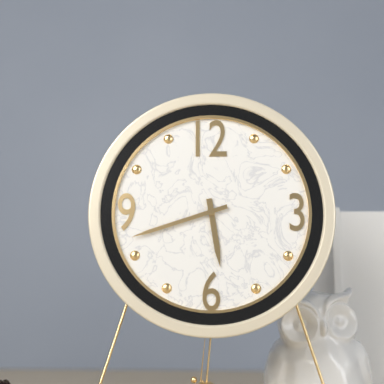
5:42
